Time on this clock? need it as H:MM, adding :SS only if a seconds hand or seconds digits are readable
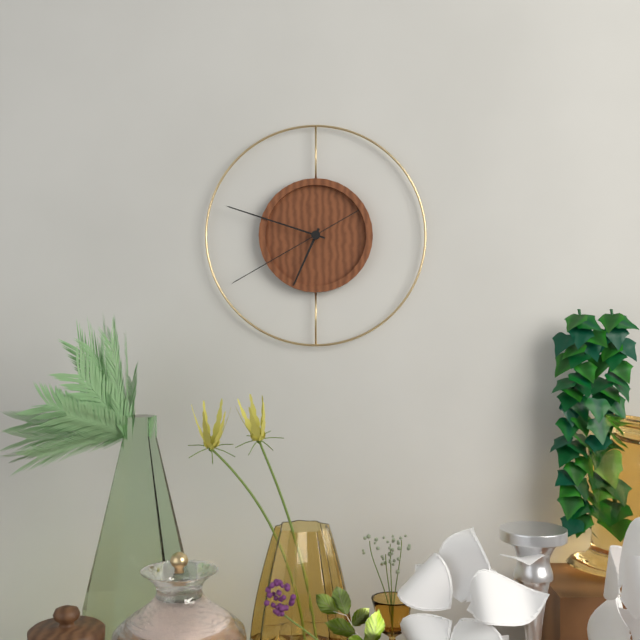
6:48:40
